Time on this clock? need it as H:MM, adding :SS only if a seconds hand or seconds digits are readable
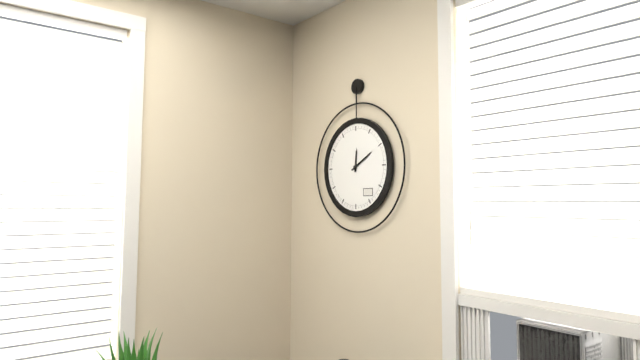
12:10
